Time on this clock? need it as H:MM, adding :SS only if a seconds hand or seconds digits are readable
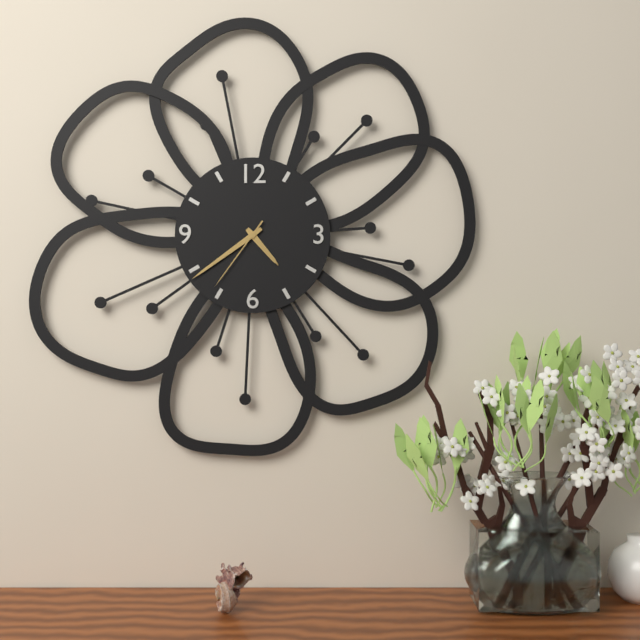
4:39:36
